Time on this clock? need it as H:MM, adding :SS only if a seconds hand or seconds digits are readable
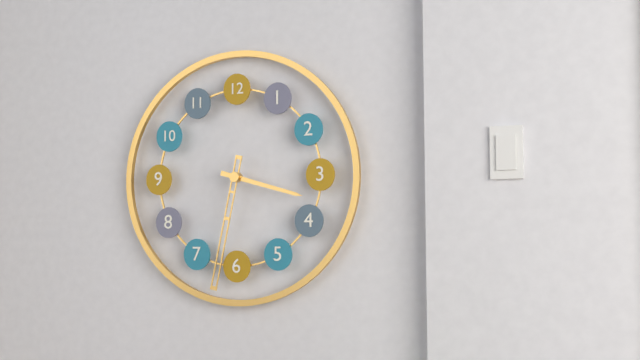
3:32
